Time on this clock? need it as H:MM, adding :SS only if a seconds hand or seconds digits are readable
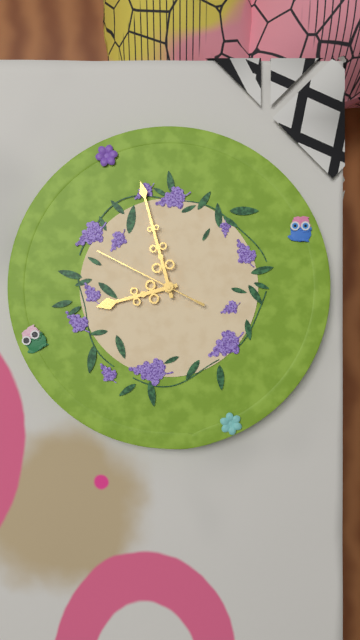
9:00:52
